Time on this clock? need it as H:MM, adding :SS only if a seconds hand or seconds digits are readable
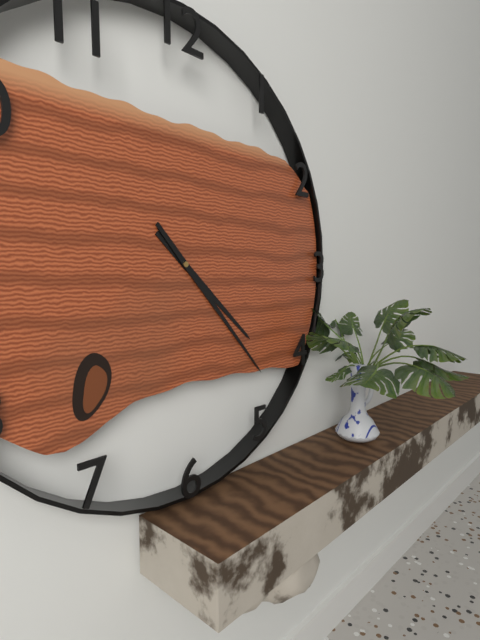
4:23
